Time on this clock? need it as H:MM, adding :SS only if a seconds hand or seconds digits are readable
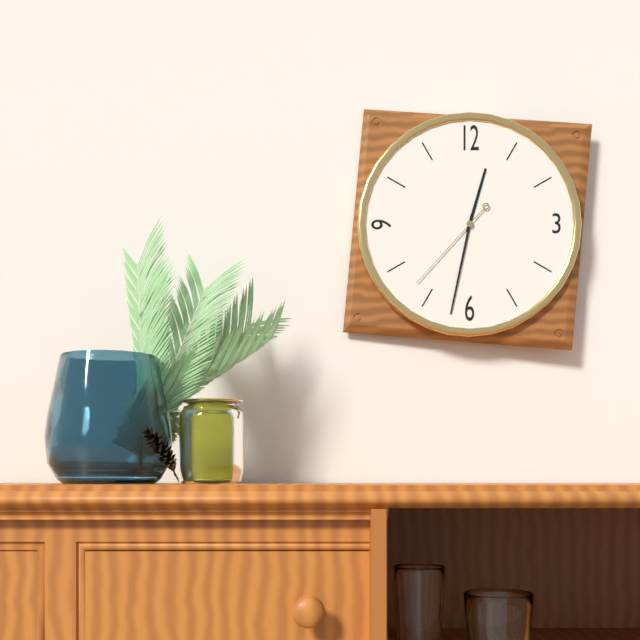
12:32:37
